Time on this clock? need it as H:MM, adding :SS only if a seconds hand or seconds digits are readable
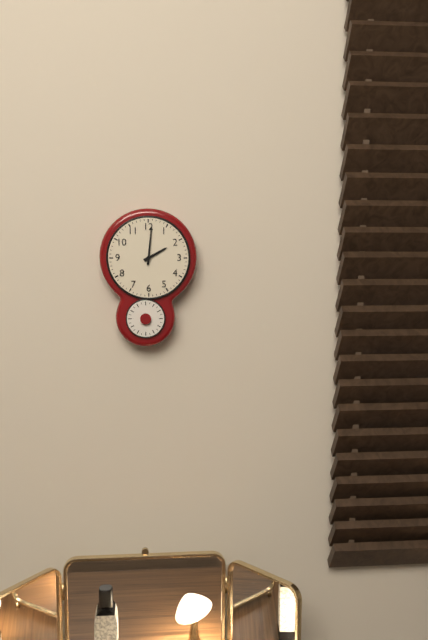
2:01
